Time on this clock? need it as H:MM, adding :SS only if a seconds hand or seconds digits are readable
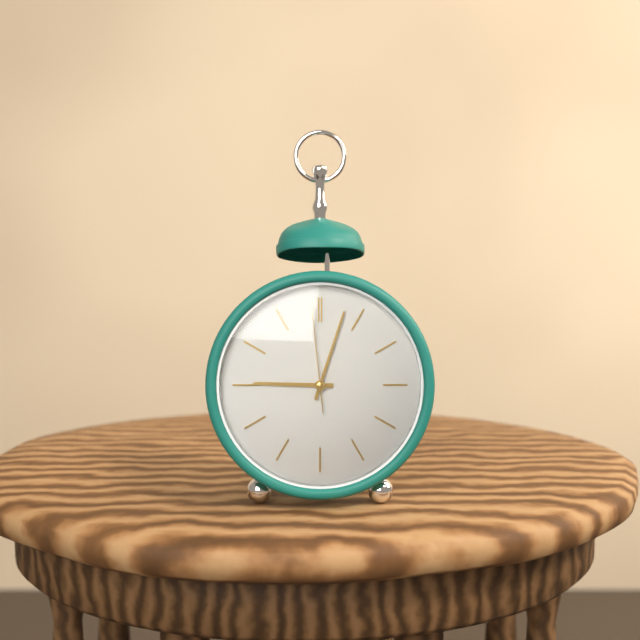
9:03:59
